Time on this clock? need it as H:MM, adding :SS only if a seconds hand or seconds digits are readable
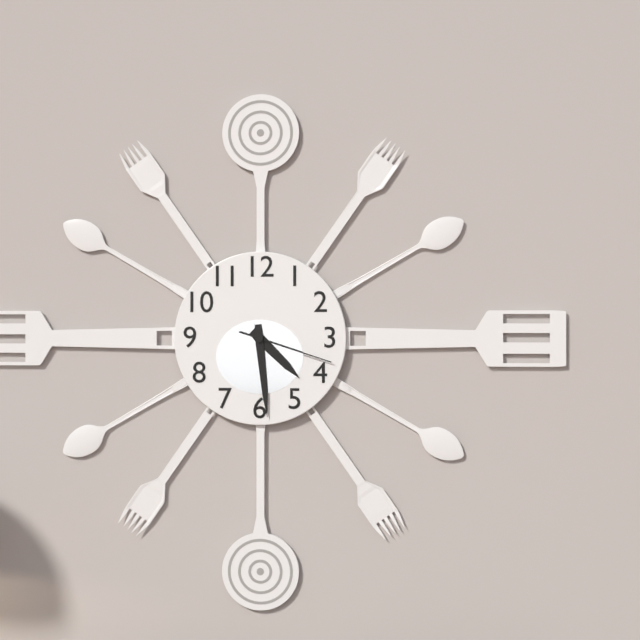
4:29:18
